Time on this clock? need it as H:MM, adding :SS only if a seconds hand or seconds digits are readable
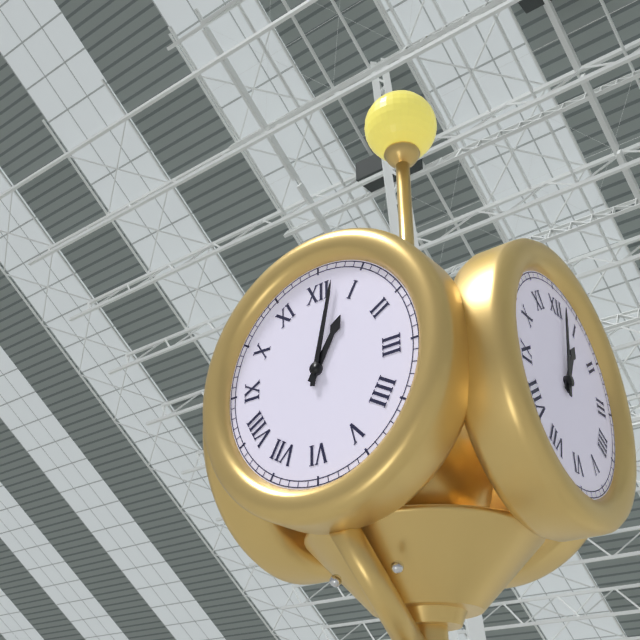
1:02
